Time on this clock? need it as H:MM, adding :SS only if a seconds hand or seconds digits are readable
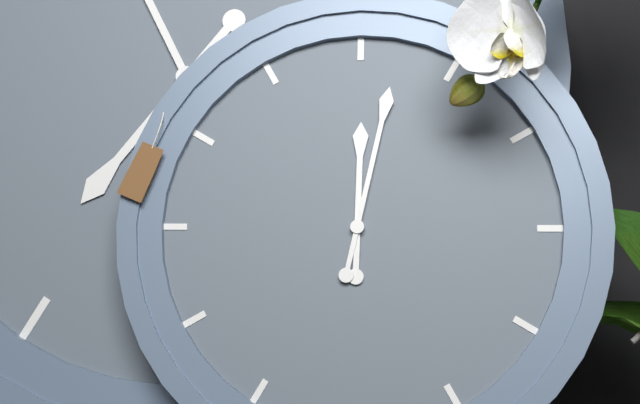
12:02
